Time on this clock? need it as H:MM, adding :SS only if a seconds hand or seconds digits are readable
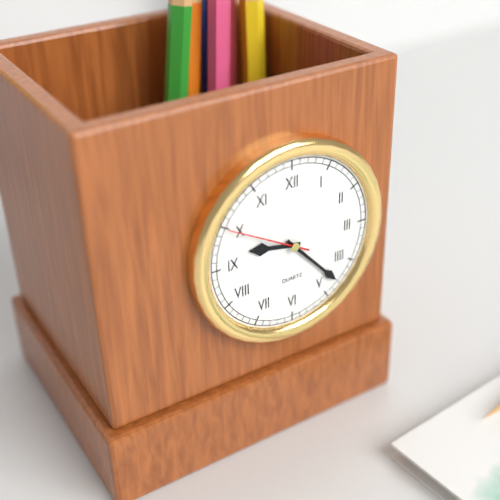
9:23:50
